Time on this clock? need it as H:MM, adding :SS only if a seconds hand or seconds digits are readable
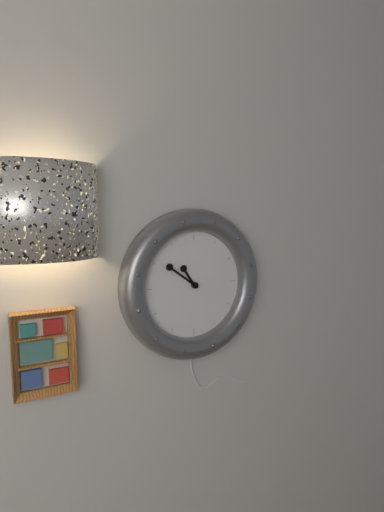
10:51
